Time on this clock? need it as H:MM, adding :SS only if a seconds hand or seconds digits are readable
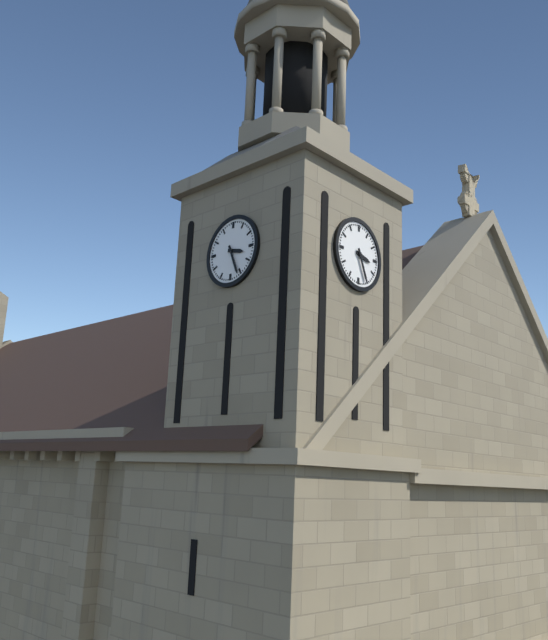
3:26
